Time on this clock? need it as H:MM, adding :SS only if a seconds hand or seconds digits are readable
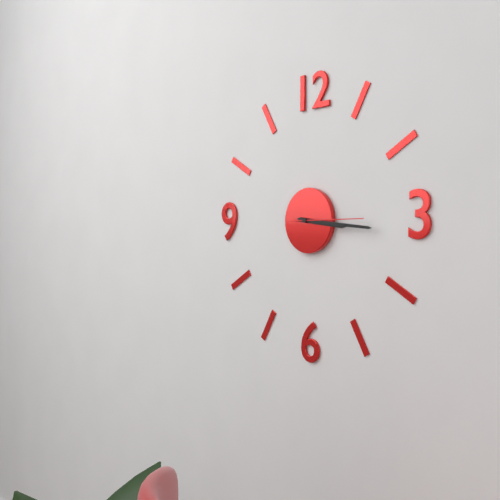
3:16:15
